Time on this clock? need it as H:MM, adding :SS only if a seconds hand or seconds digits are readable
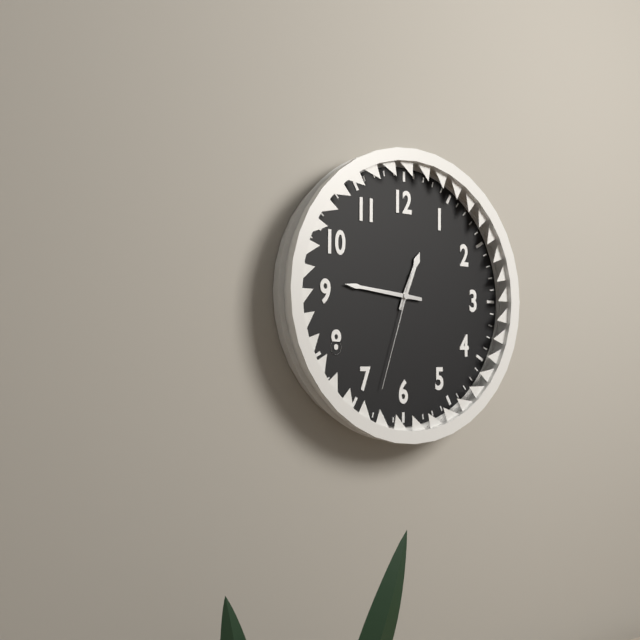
12:46:33
